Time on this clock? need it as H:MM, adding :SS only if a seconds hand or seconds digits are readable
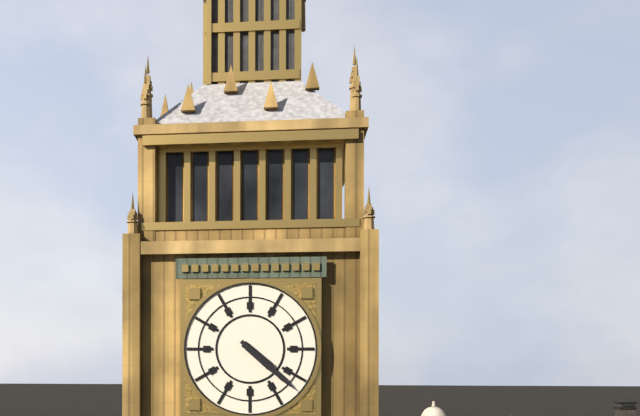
4:22
